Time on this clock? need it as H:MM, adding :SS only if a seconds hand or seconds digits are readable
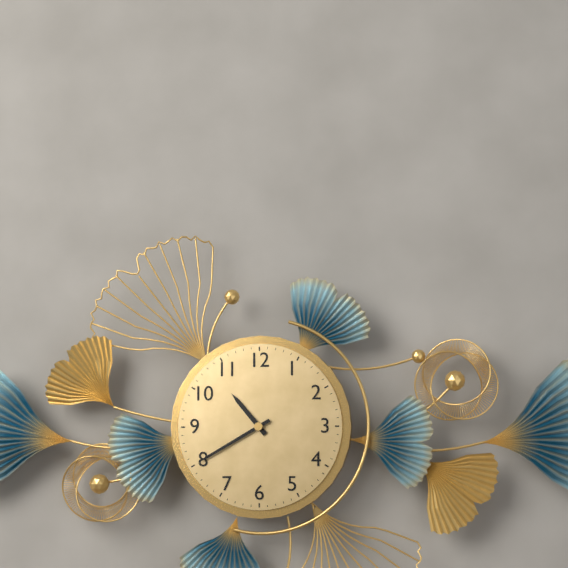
10:40
